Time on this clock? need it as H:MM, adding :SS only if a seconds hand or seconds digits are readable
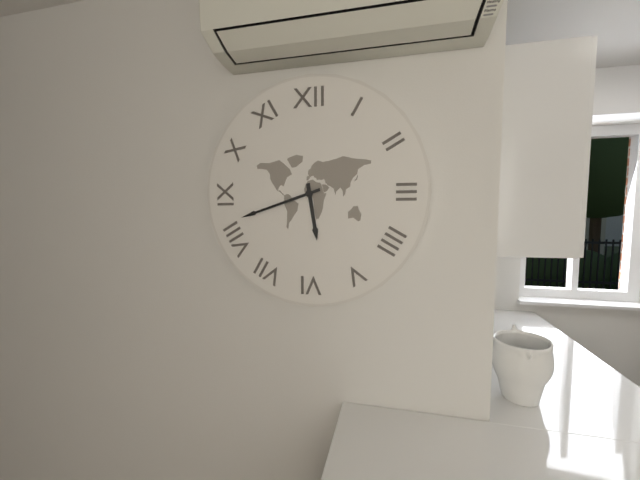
5:42
